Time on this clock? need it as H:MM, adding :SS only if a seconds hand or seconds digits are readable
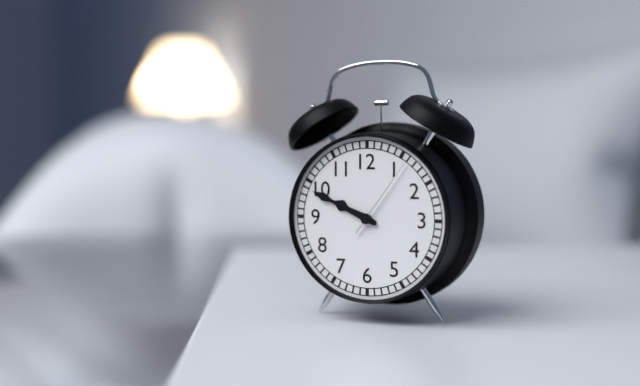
9:49:06
